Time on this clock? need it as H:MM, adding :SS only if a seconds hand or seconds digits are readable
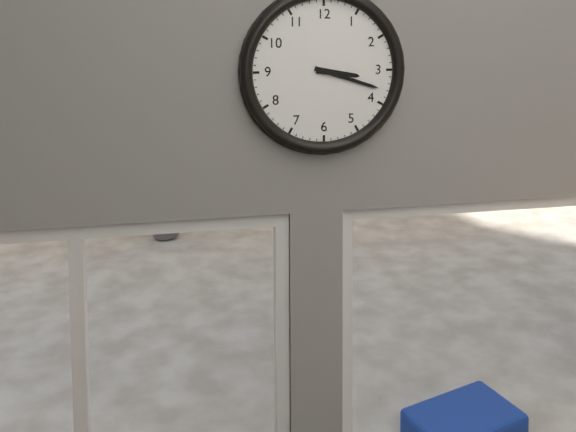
3:18
